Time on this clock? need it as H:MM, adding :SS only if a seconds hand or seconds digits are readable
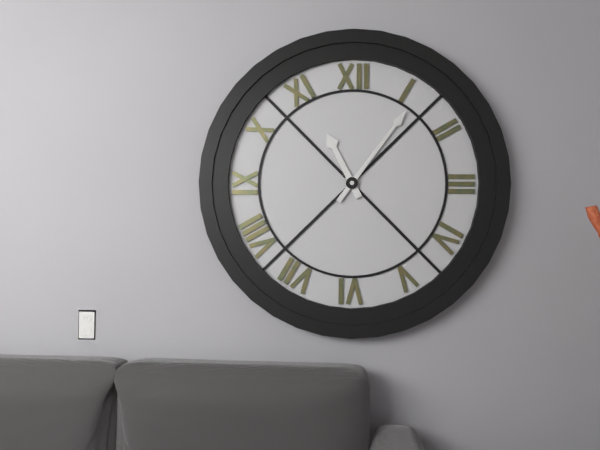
11:06
